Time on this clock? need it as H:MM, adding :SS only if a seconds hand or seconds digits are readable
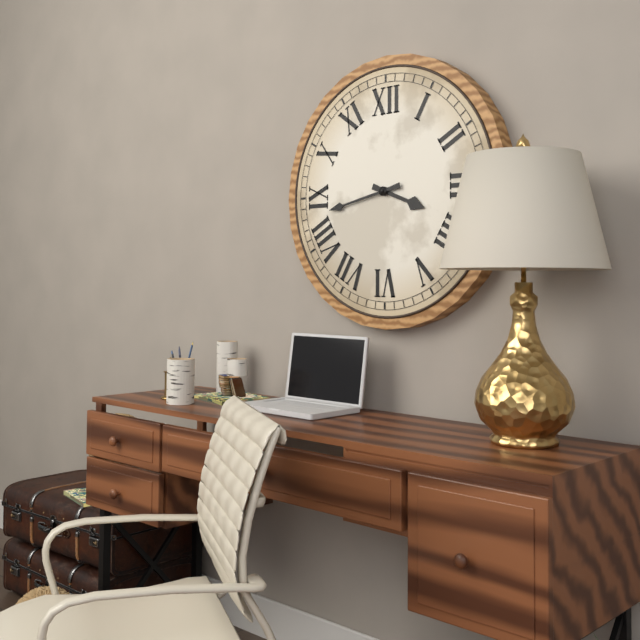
3:43
